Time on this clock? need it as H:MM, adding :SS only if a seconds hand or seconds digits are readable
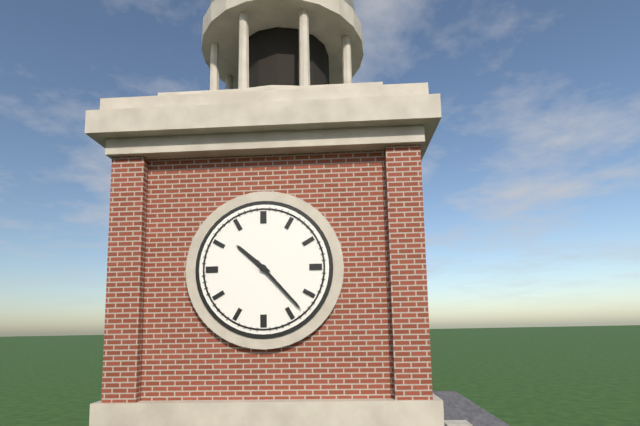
10:23
